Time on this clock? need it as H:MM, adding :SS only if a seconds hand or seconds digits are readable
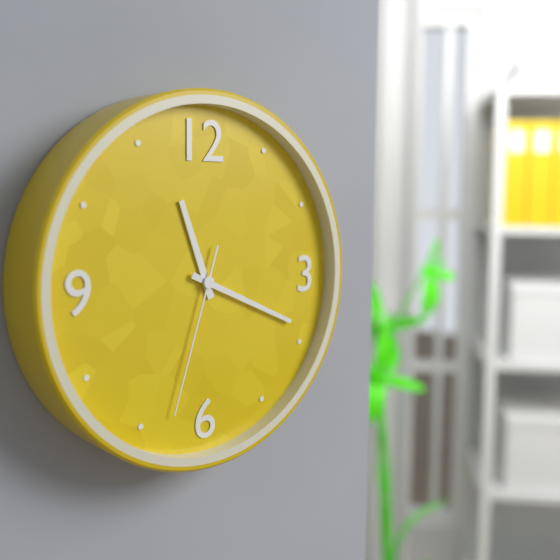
11:19:33
